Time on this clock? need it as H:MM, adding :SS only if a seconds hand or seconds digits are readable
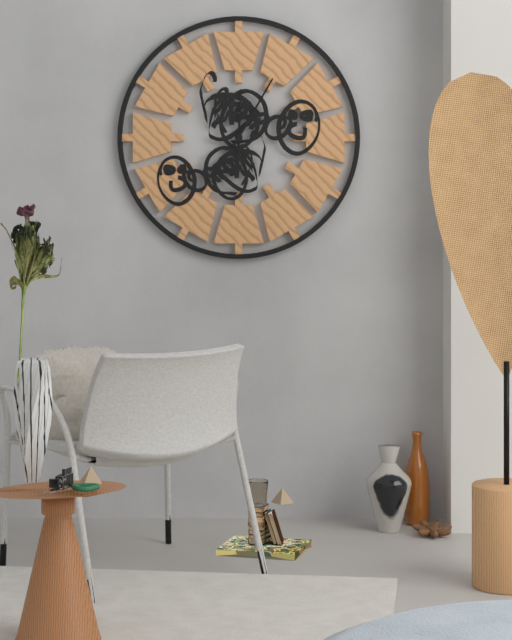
12:05
